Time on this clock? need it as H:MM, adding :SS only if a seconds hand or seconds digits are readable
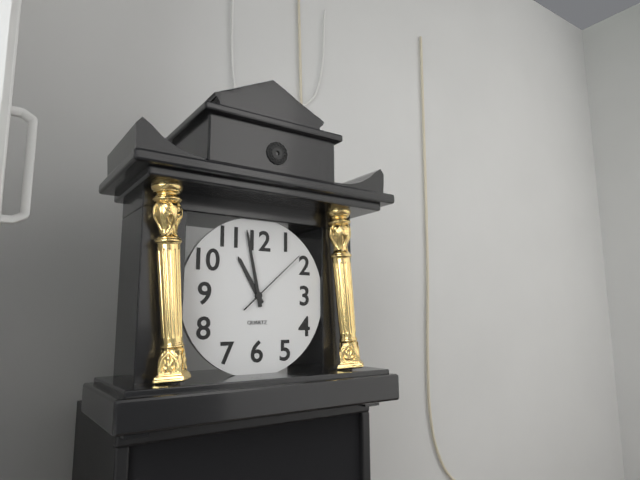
10:58:08
